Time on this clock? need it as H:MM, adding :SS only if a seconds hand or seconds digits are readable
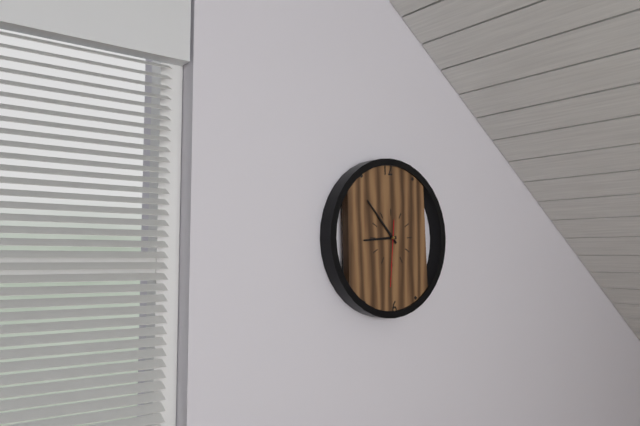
8:53:31
